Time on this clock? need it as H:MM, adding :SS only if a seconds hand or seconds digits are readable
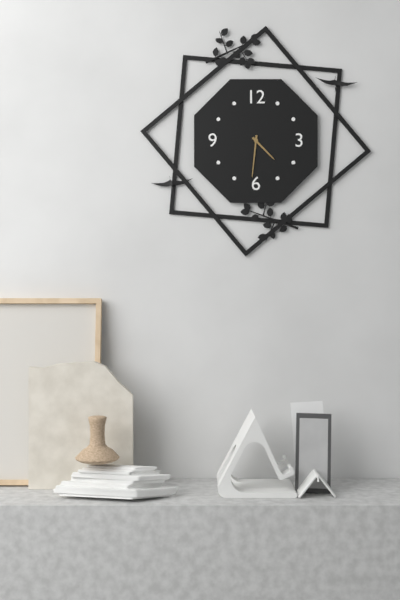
4:31
